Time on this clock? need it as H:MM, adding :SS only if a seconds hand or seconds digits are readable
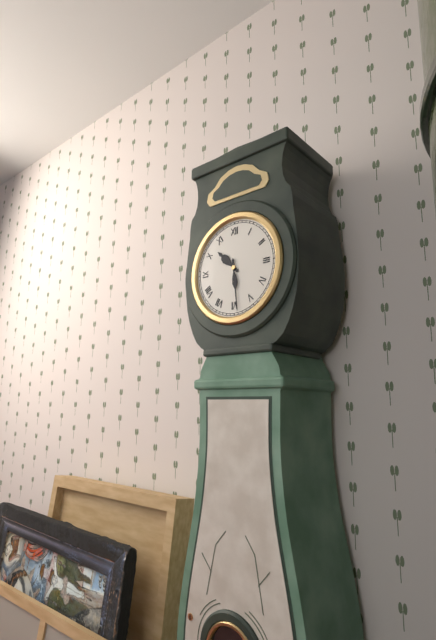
10:29
